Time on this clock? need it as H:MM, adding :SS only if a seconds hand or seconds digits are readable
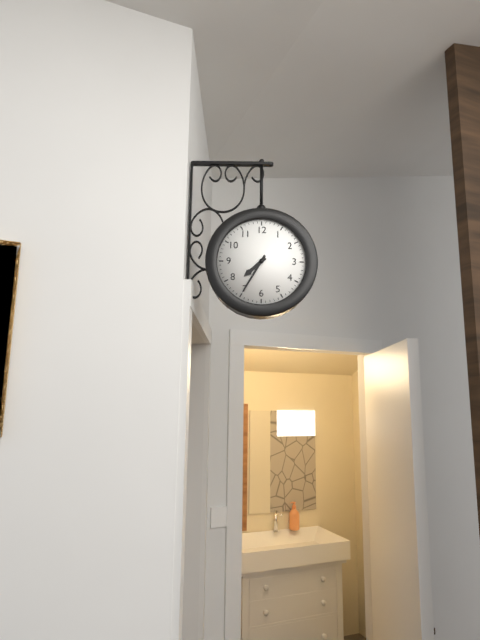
7:35
